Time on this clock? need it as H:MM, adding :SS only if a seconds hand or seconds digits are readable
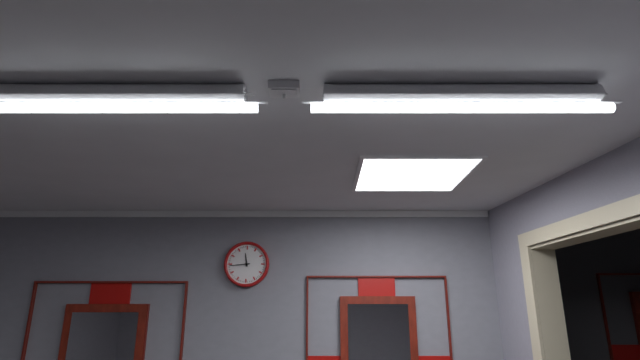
11:44
